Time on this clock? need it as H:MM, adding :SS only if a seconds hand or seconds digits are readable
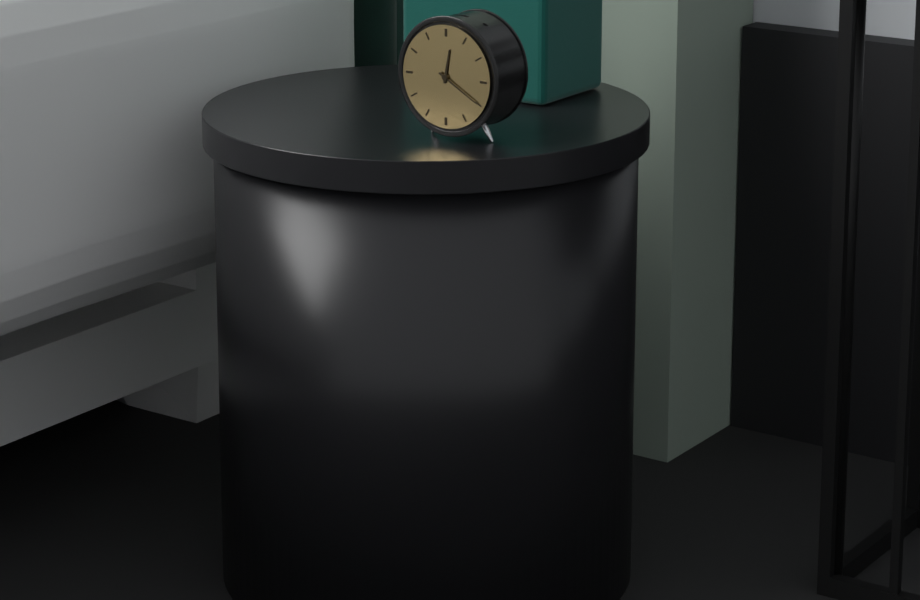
12:20
